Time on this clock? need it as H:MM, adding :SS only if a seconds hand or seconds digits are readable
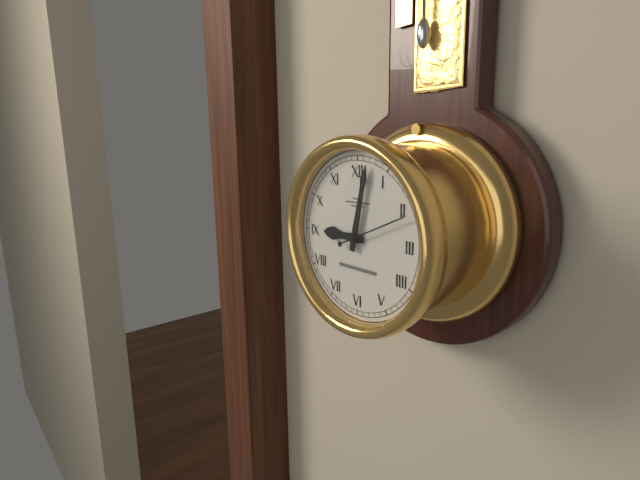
9:02:11
